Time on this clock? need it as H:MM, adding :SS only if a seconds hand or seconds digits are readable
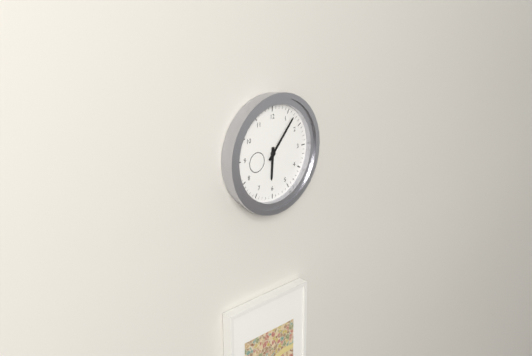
6:07
